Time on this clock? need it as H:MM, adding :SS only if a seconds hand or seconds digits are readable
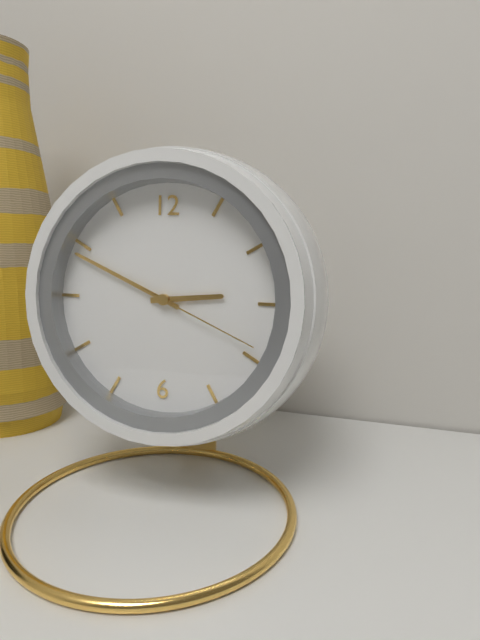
2:49:19
